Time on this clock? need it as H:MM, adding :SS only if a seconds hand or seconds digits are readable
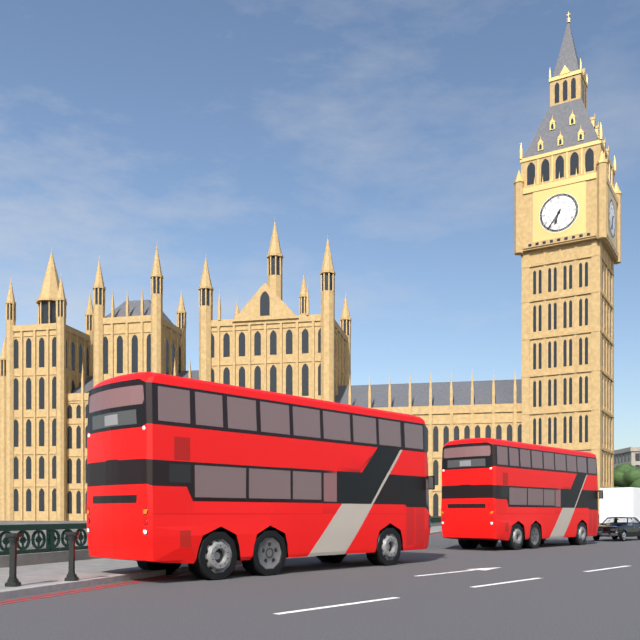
6:36
